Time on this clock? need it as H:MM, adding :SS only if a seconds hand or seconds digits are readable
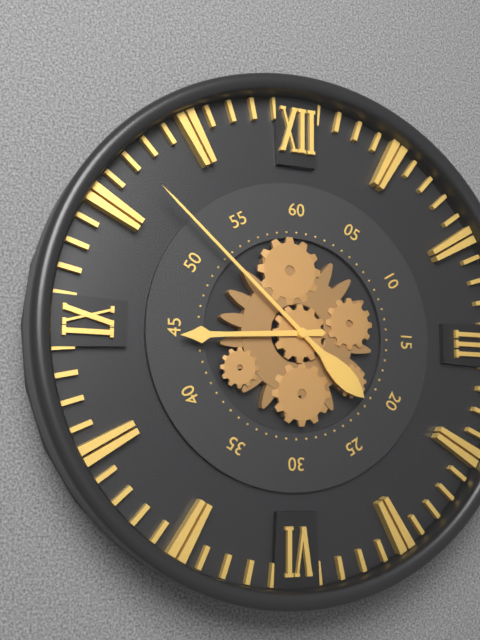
8:52
